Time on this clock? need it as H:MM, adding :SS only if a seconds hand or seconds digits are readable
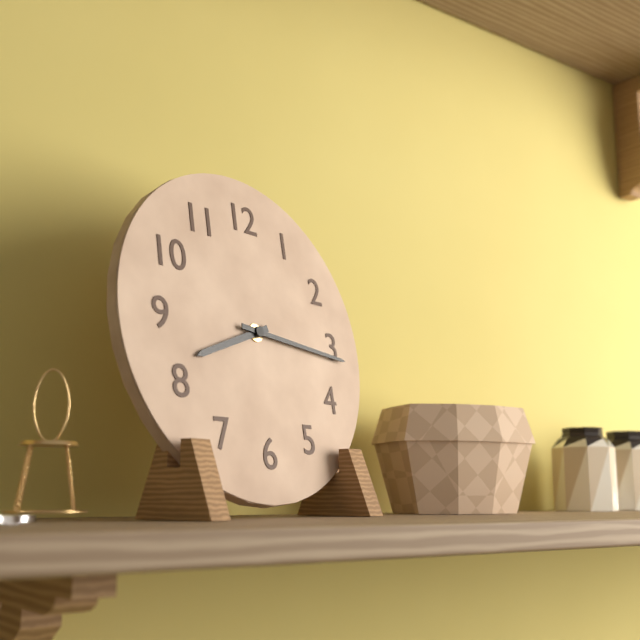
8:16
